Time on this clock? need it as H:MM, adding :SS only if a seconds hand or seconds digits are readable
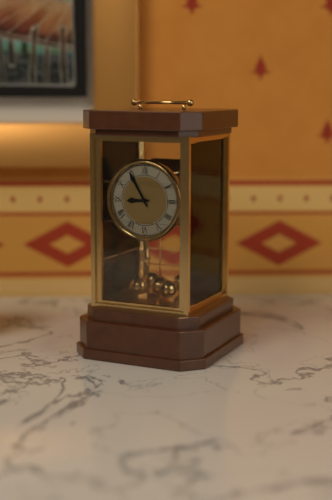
8:55
